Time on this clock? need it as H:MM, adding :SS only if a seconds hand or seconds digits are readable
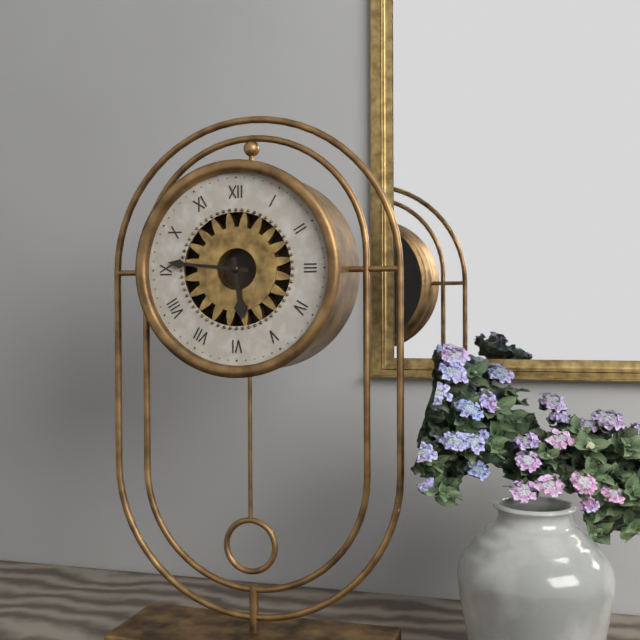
5:46
